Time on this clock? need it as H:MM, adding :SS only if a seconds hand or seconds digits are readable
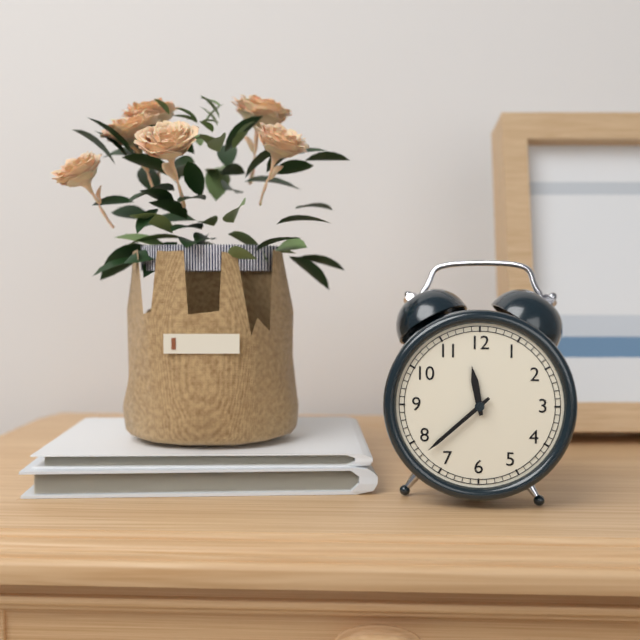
11:38
